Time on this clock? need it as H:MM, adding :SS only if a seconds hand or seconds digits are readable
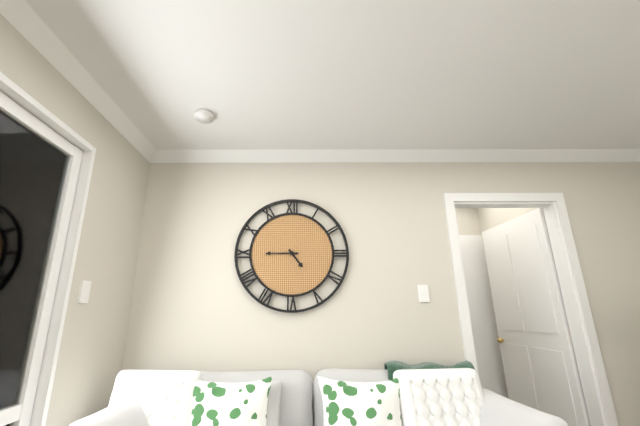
4:45
